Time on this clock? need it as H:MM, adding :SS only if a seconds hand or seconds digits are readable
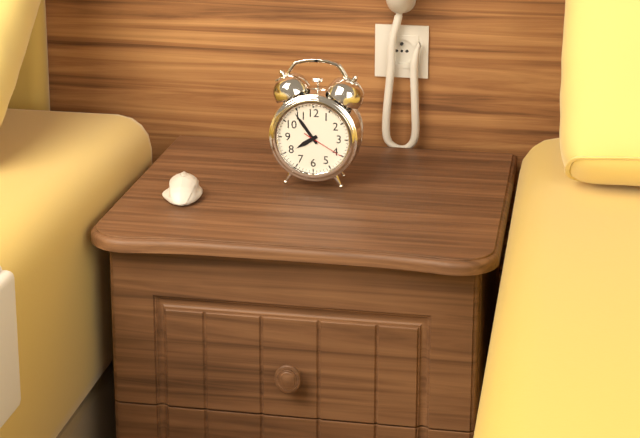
7:54
